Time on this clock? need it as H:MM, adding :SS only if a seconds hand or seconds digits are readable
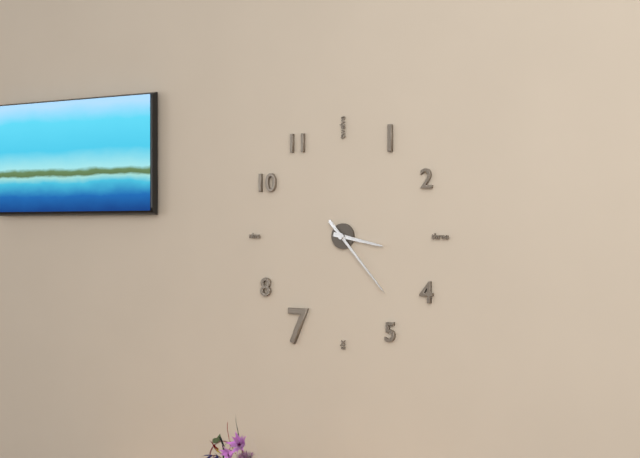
3:23
